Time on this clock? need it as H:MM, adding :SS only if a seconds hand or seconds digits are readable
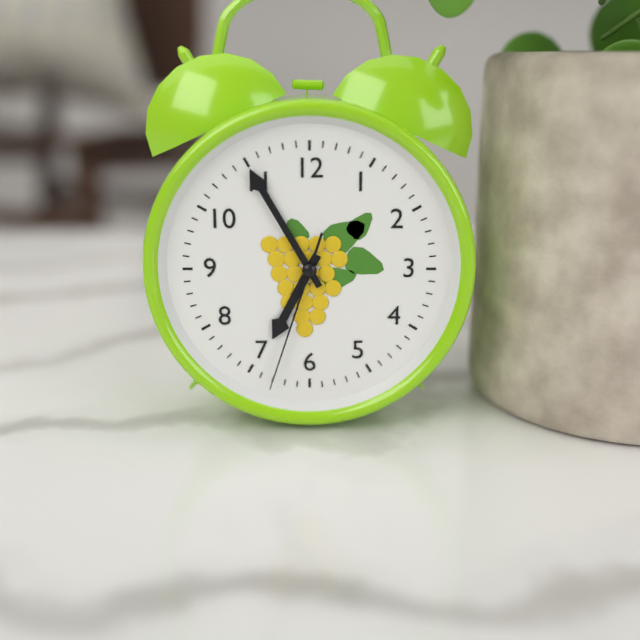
6:55:33
